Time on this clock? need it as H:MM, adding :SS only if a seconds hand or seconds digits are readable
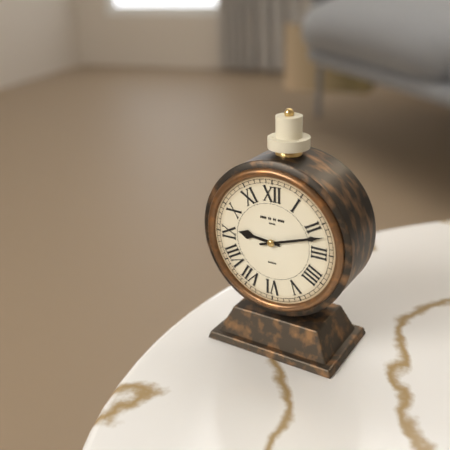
9:12
